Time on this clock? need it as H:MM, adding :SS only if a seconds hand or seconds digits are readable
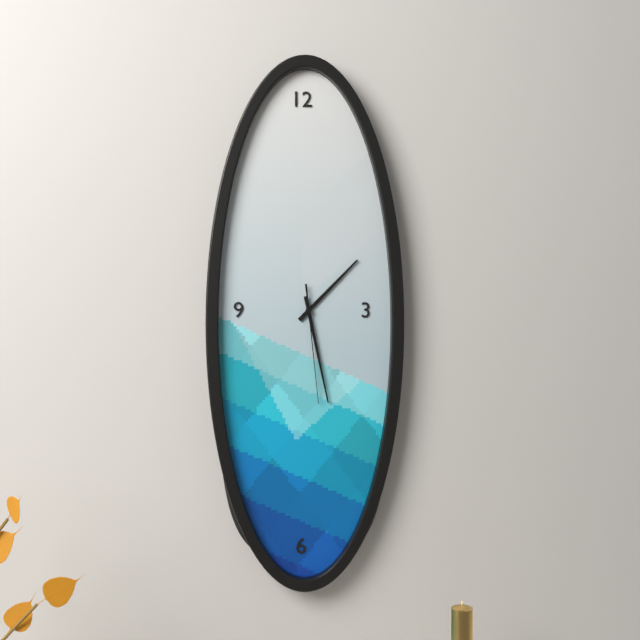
1:28:29
